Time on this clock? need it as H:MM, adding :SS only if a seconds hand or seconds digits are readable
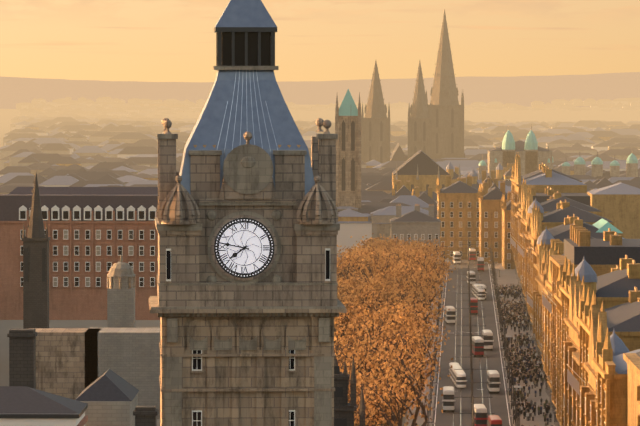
7:47
